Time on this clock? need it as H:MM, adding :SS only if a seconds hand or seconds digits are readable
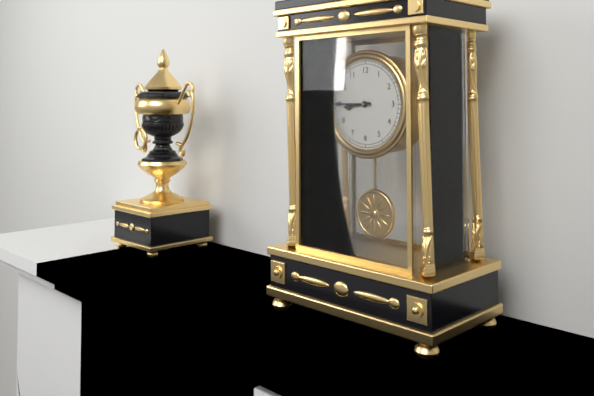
8:45
